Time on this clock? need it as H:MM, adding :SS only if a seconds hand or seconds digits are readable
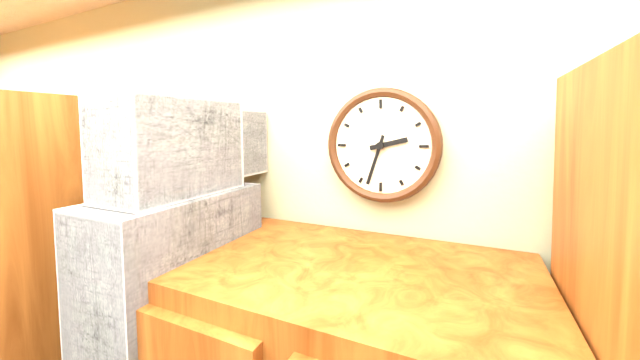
2:33
